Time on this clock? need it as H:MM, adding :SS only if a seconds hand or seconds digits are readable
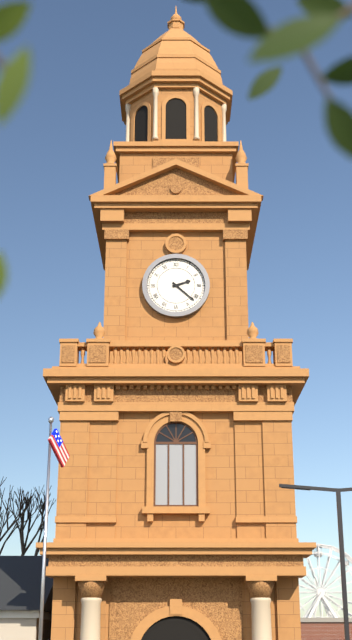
2:22
